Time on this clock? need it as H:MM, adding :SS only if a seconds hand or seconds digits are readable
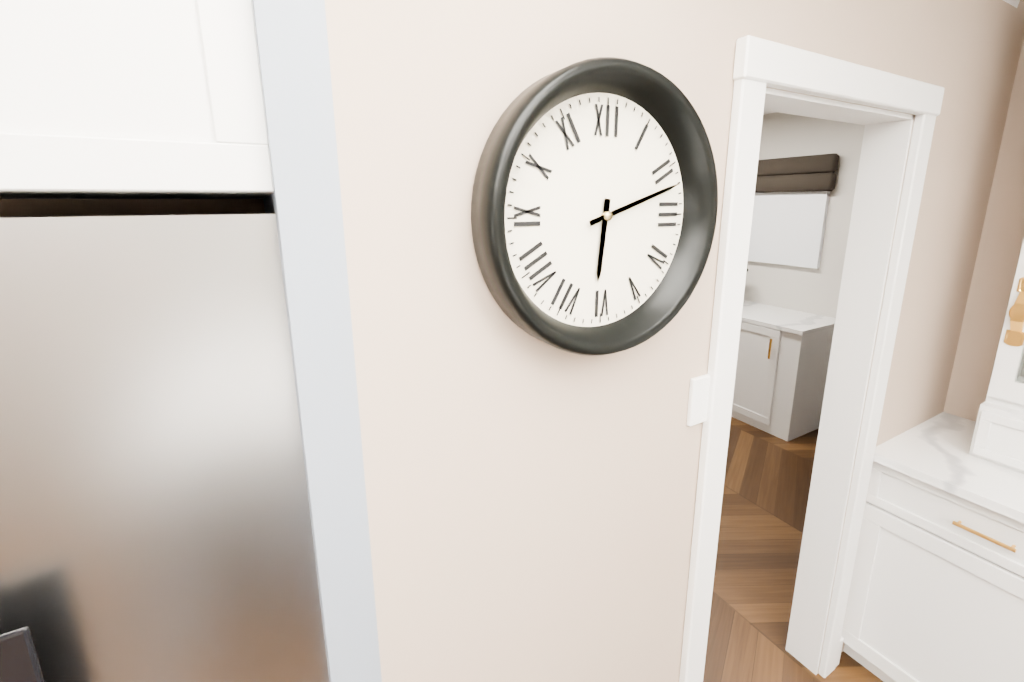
6:12
